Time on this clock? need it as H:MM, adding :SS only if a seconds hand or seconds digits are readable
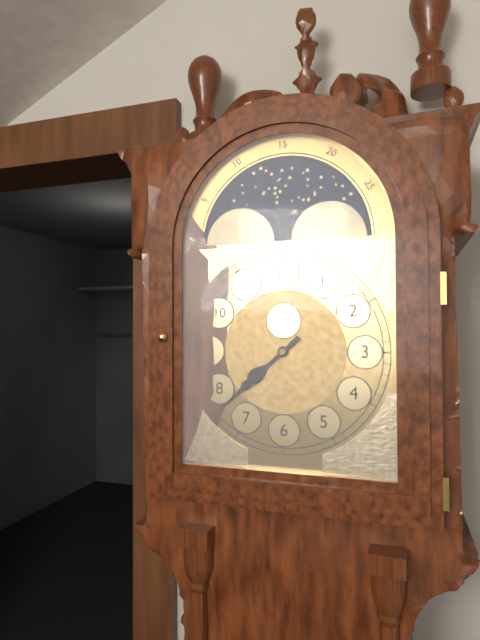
7:38
